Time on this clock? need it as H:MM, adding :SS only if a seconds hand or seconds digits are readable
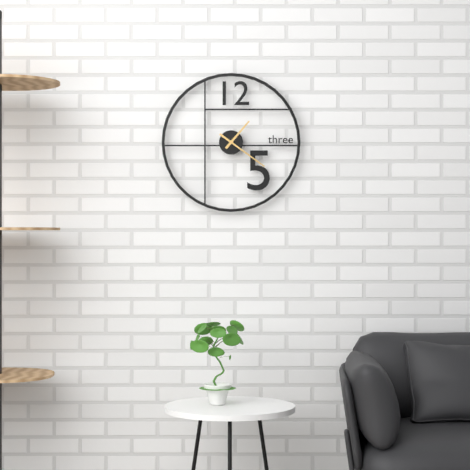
1:21
